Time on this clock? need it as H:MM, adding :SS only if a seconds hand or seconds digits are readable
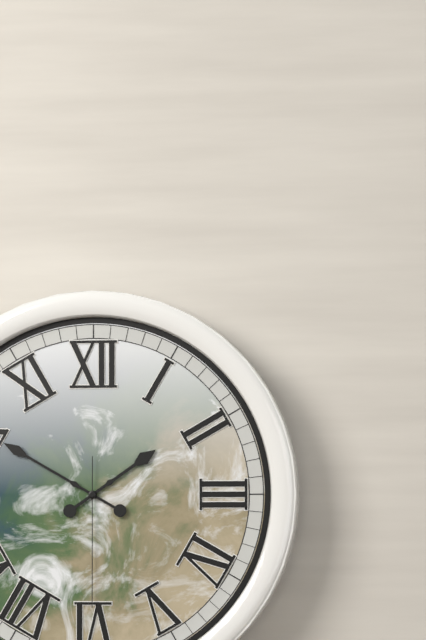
1:50:30
